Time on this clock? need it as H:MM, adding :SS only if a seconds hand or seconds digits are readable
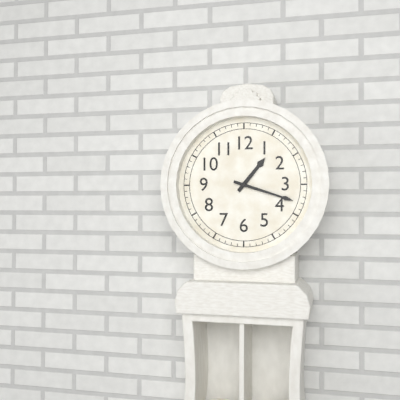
1:18
